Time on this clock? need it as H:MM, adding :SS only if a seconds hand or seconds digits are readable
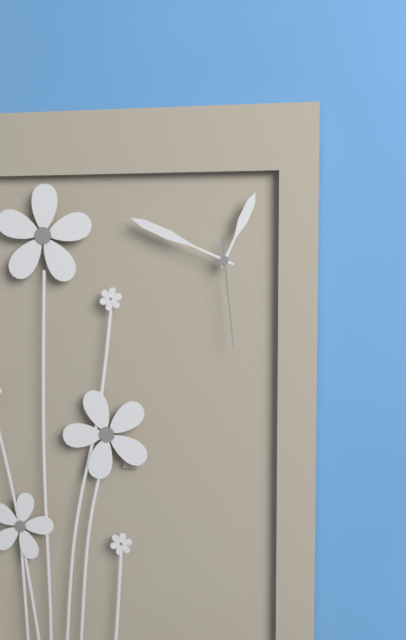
12:49:29
